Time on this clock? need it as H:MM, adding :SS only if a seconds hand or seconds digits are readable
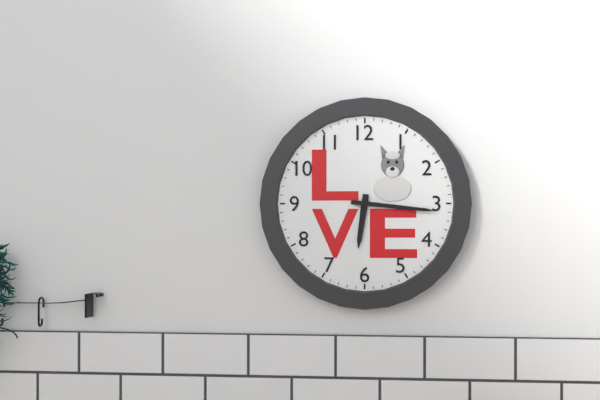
6:16
